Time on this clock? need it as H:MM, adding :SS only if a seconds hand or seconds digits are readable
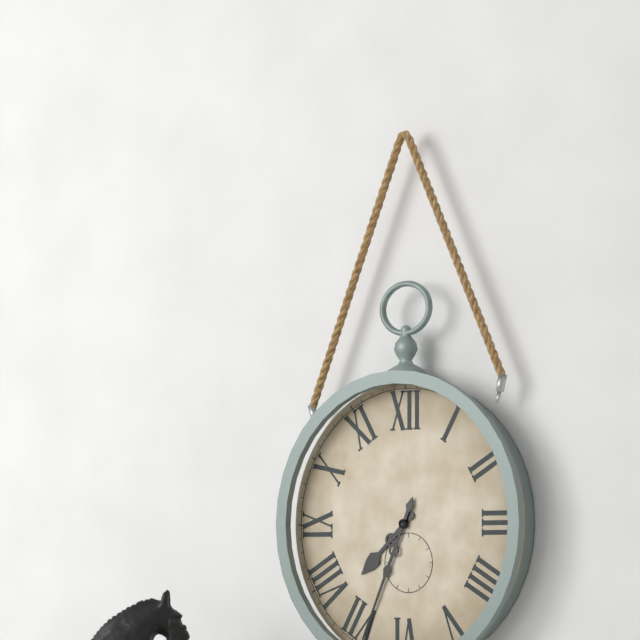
7:34
